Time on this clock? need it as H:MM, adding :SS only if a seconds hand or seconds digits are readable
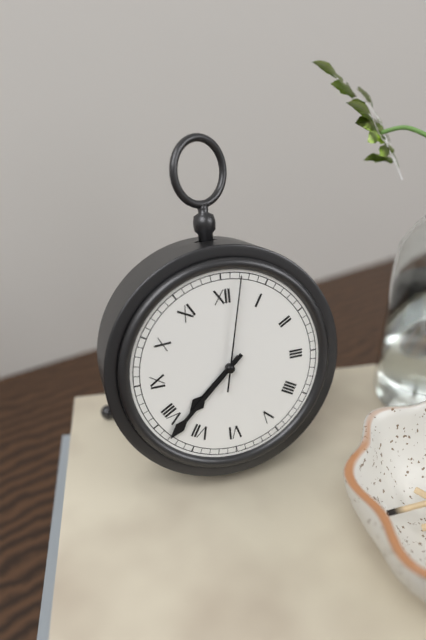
7:38:02
